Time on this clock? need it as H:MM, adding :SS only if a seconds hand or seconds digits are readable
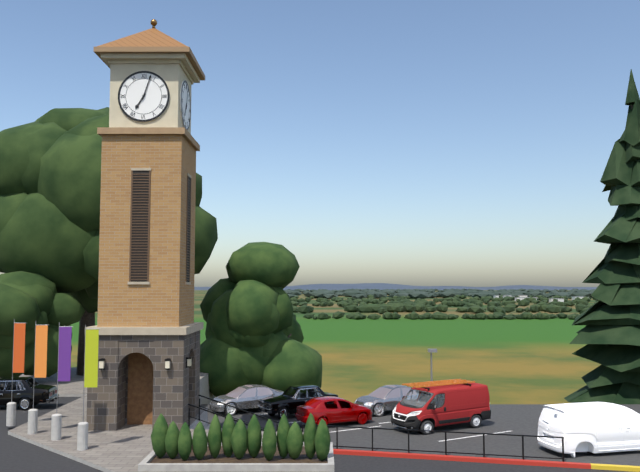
7:03
